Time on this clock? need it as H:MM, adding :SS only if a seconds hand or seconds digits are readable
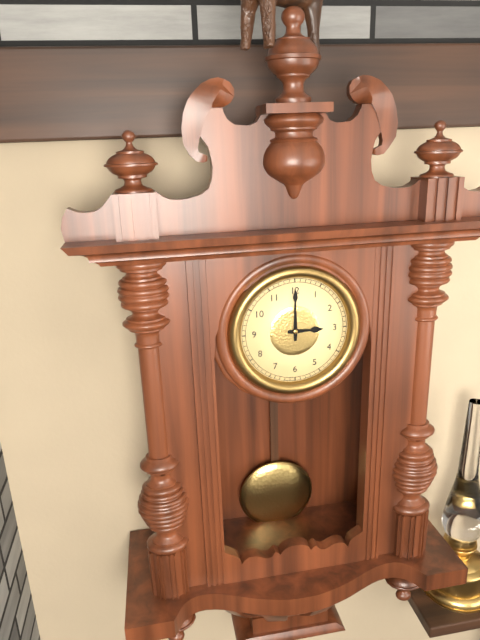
3:00
